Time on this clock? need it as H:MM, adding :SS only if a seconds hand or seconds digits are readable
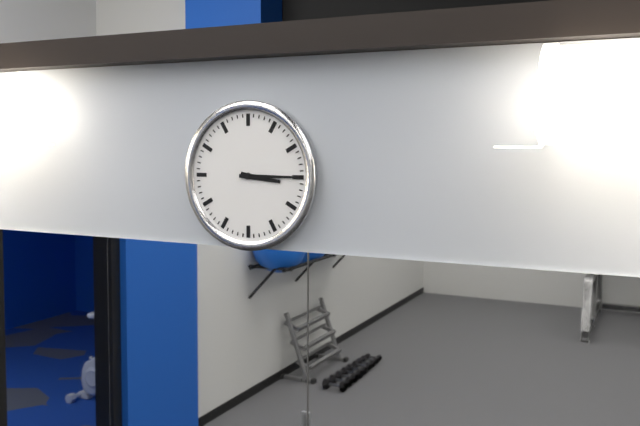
3:15
